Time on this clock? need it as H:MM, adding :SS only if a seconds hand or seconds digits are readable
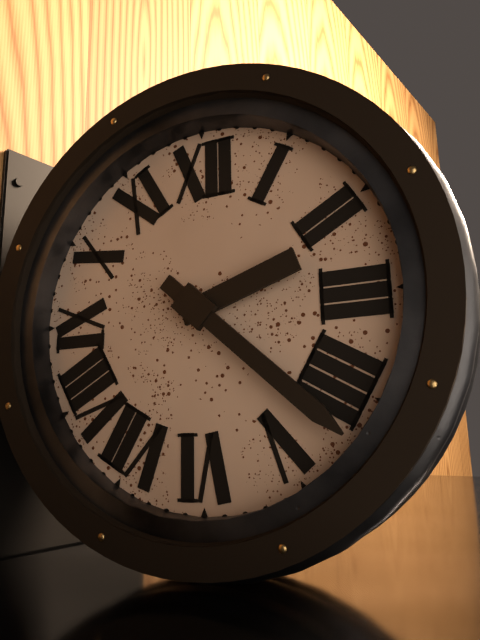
2:22
